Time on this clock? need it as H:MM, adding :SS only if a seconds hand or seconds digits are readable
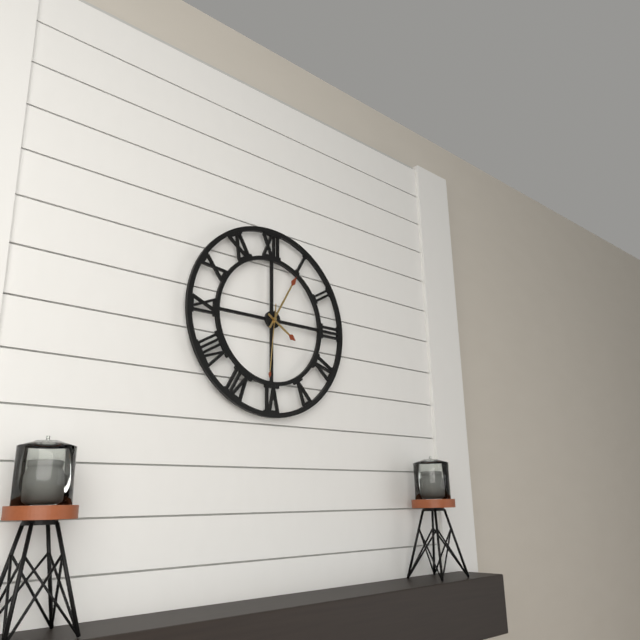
4:05:31
